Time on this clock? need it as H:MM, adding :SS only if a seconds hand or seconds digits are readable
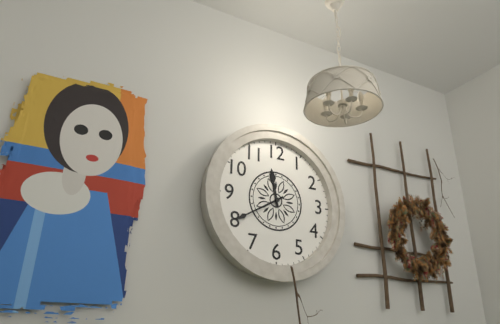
11:40
